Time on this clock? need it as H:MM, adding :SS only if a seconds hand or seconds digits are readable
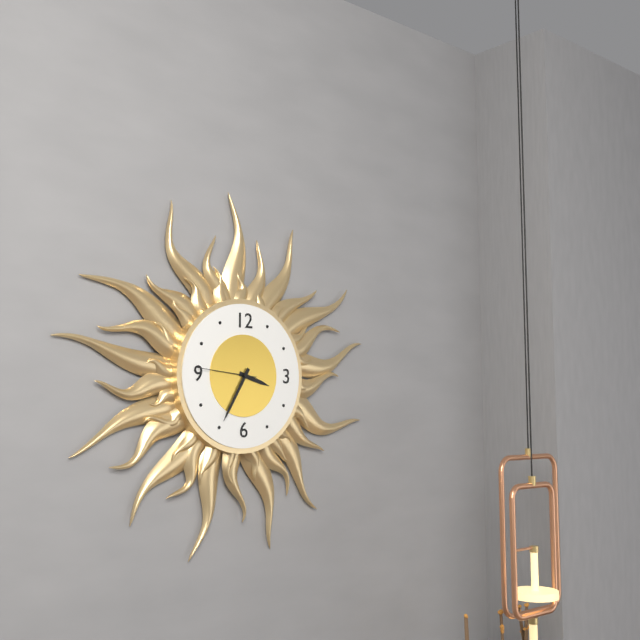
3:35:46
